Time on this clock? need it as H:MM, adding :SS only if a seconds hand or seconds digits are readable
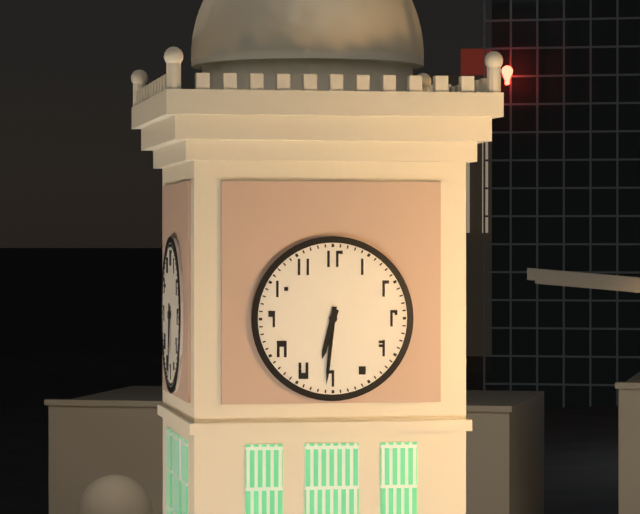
6:31
